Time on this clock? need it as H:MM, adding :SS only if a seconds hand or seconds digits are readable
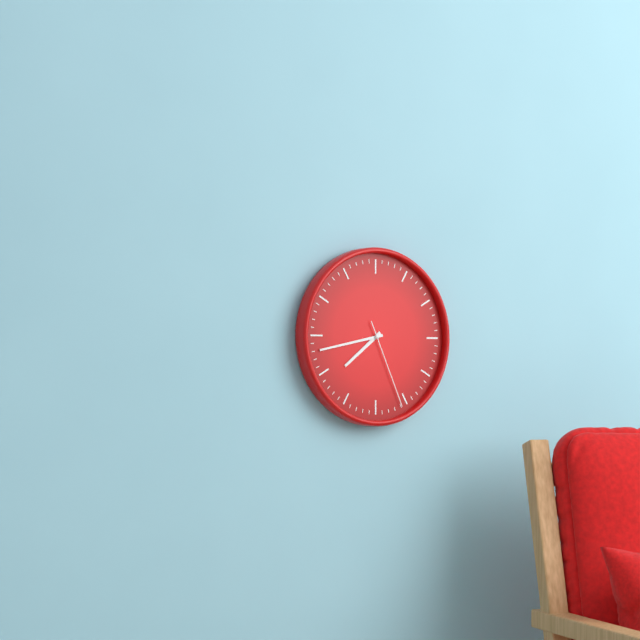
7:43:26
